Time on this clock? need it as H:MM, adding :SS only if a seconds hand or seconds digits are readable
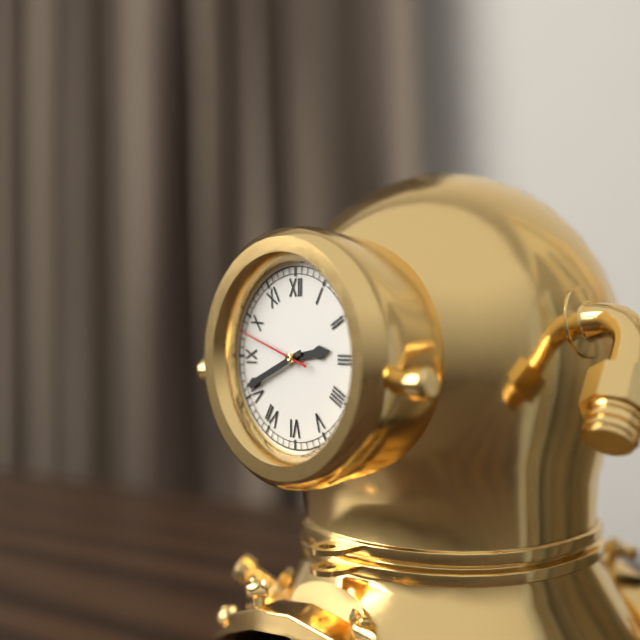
2:41:48
